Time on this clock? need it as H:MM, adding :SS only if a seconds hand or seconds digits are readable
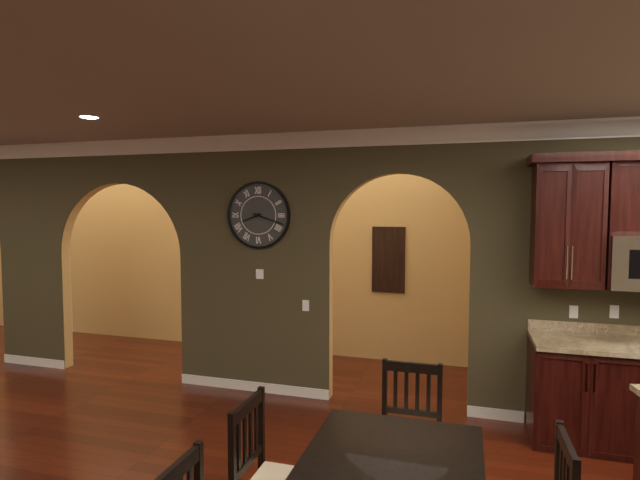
8:18
